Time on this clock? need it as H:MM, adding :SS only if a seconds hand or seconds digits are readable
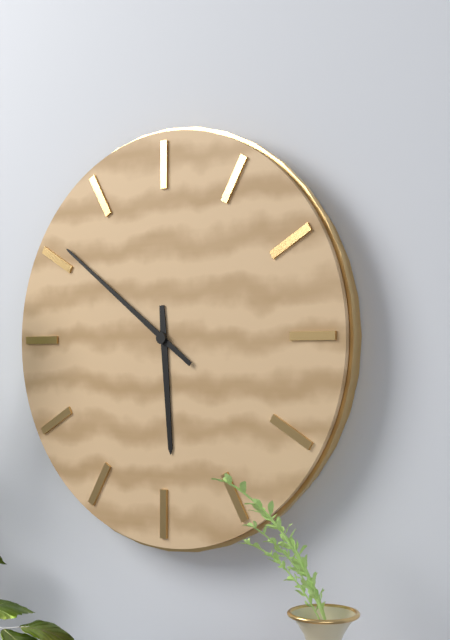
5:51
